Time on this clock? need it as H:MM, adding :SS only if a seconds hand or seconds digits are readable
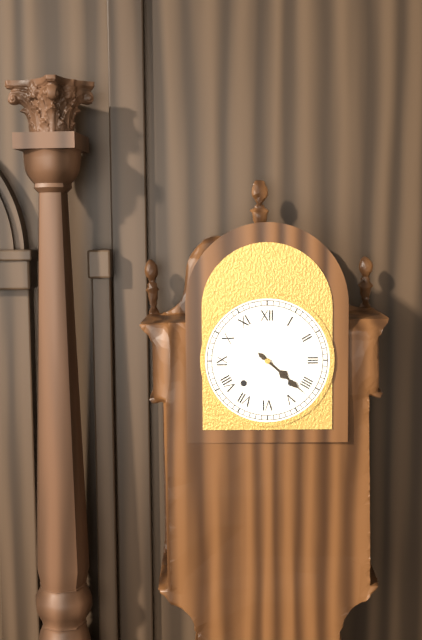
4:22
